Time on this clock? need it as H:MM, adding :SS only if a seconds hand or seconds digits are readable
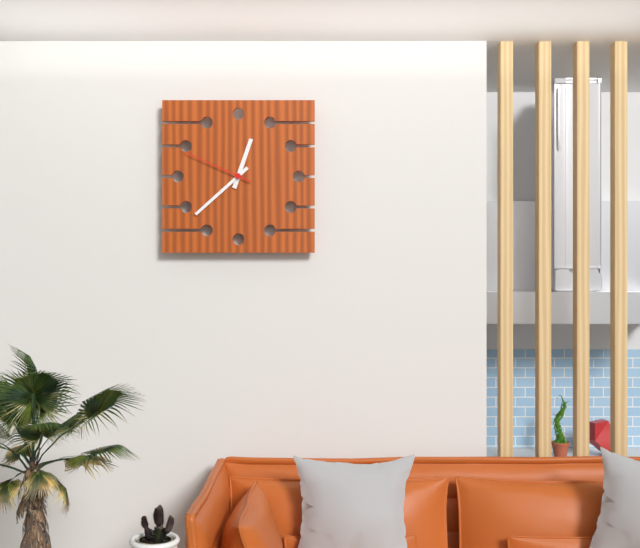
12:38:49
